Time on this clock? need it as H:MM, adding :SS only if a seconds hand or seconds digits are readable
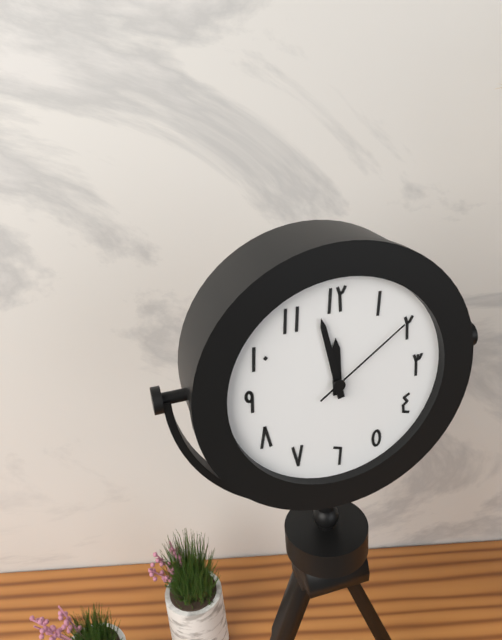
11:58:09
